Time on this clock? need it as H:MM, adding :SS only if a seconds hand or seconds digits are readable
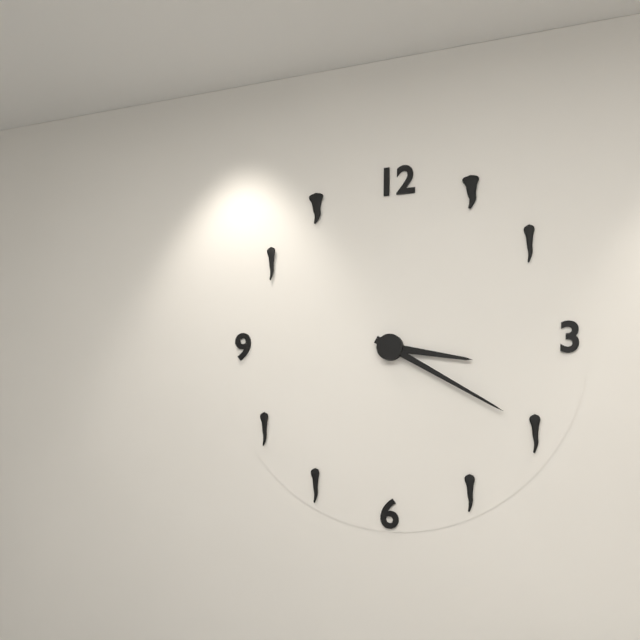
3:20
